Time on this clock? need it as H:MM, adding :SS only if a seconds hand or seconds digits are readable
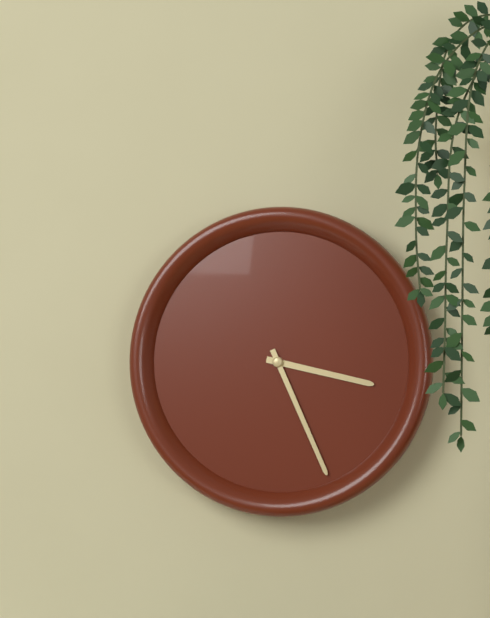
3:26
